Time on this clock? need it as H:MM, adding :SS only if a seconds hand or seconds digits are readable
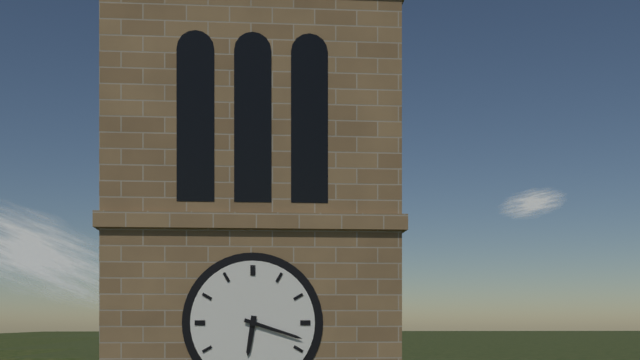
6:18
